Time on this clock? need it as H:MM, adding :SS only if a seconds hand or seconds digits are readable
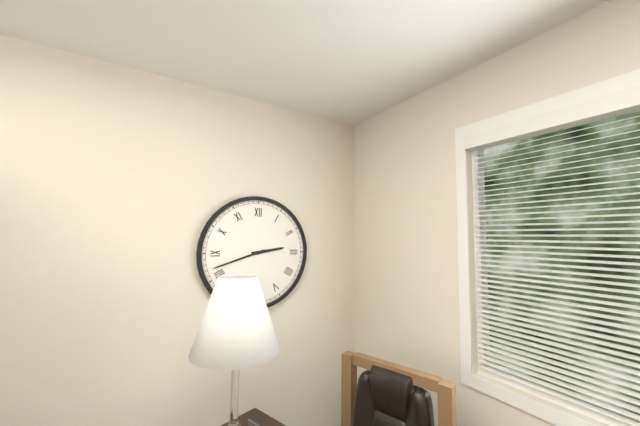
2:42
